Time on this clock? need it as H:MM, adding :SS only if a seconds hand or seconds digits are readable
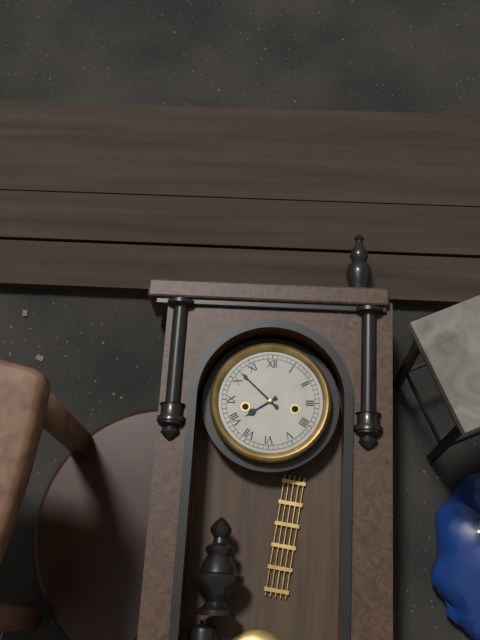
7:52
